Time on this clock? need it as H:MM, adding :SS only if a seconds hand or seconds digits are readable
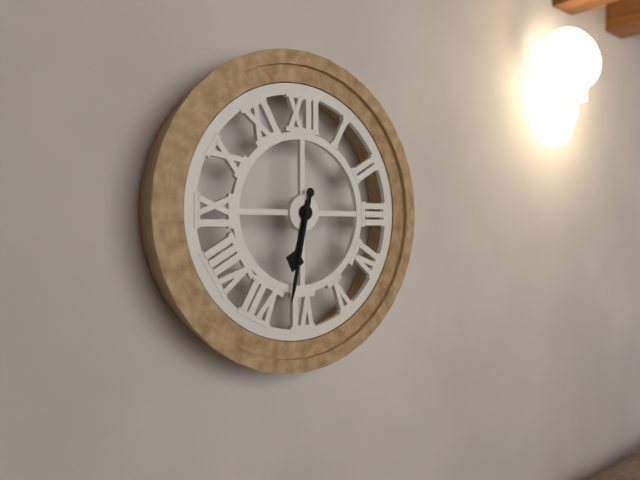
6:32
